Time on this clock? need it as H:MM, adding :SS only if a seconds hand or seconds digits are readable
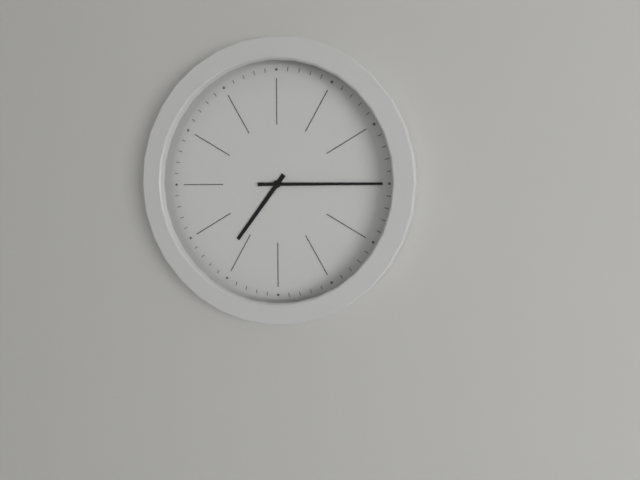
7:15
